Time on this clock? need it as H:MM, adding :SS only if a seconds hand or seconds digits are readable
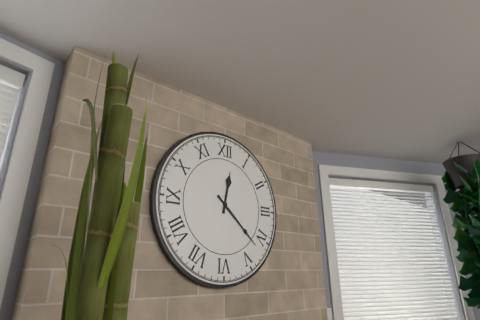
12:22
